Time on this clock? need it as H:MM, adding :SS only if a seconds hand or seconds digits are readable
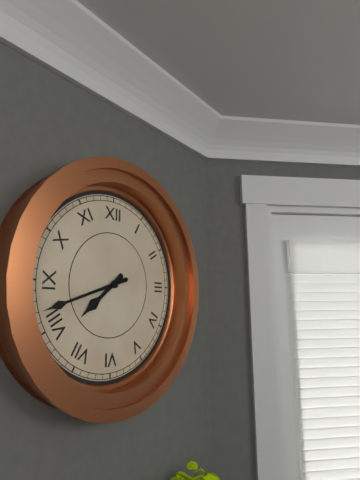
7:42
